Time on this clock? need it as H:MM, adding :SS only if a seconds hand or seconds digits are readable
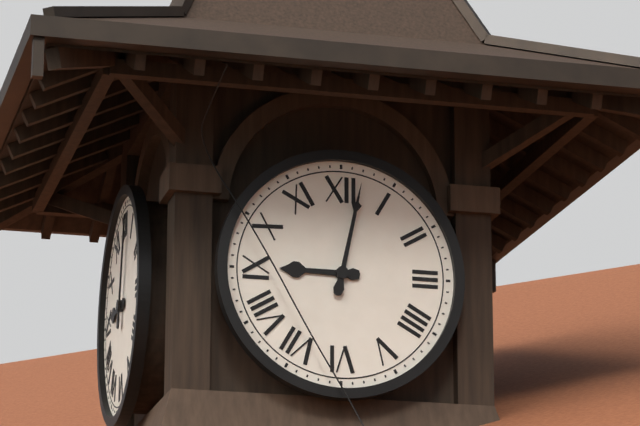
9:02
